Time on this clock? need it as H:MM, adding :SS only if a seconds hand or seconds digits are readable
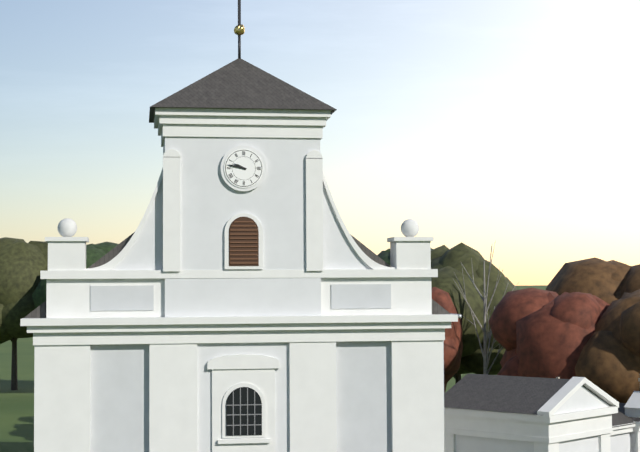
9:47
